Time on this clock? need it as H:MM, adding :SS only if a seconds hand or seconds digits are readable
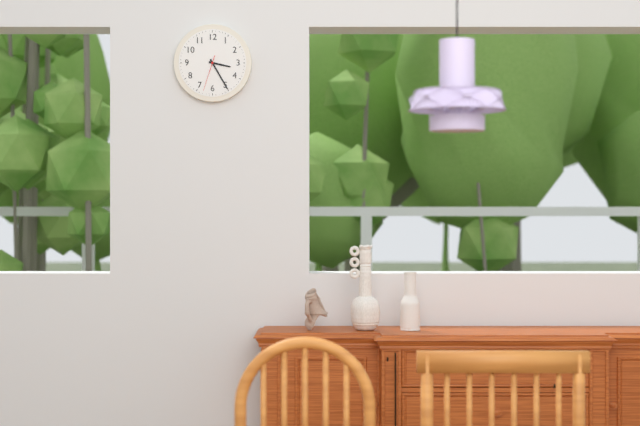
3:25
